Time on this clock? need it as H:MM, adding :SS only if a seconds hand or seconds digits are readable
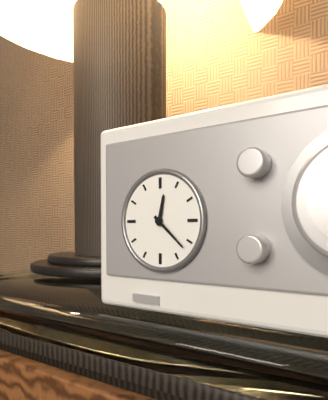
12:22
